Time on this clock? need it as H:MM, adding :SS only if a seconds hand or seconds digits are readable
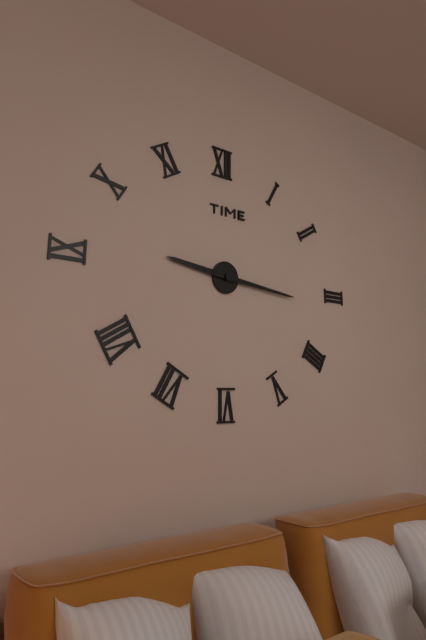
9:16
